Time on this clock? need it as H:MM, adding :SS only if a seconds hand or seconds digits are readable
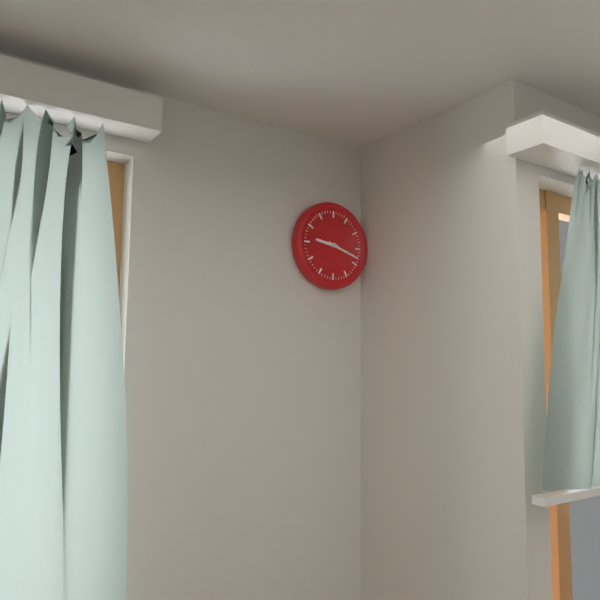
9:18
